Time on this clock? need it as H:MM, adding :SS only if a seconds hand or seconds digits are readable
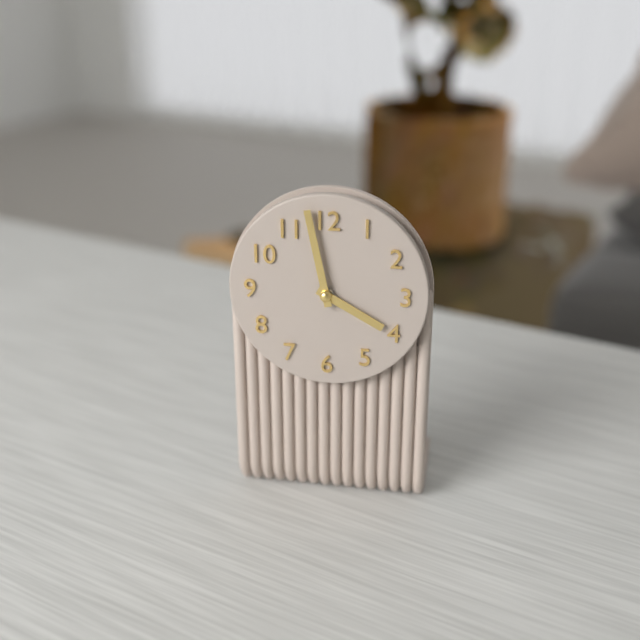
3:58
